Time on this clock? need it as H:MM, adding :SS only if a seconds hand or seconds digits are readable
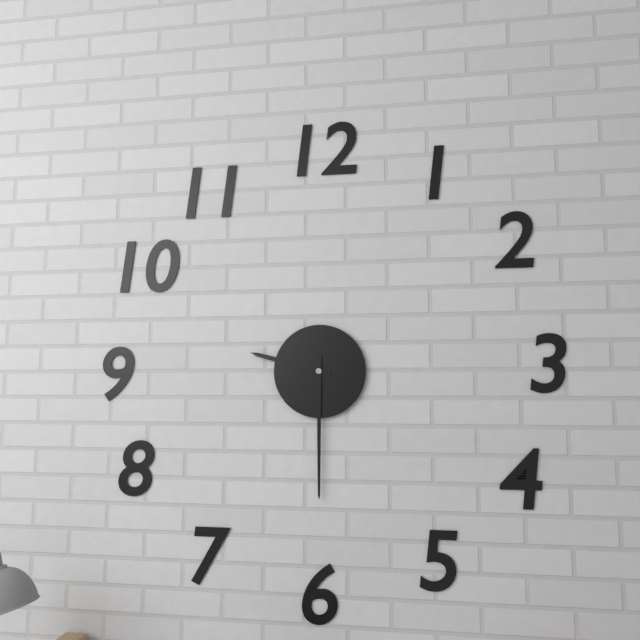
9:30
